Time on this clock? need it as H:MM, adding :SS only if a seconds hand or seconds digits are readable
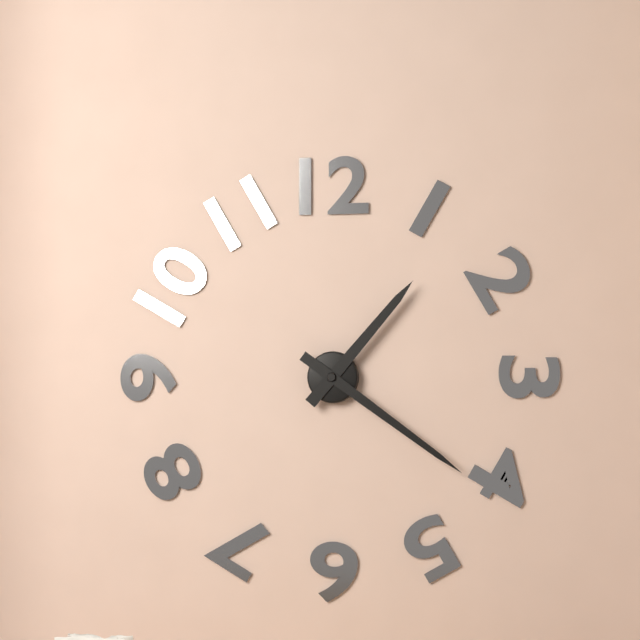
1:21
